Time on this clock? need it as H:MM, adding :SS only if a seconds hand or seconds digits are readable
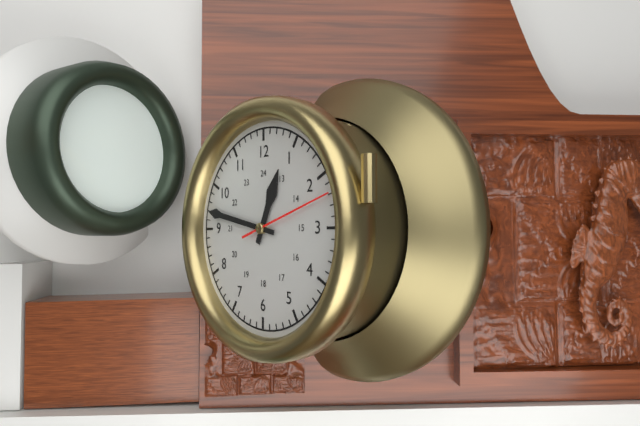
12:47:12
